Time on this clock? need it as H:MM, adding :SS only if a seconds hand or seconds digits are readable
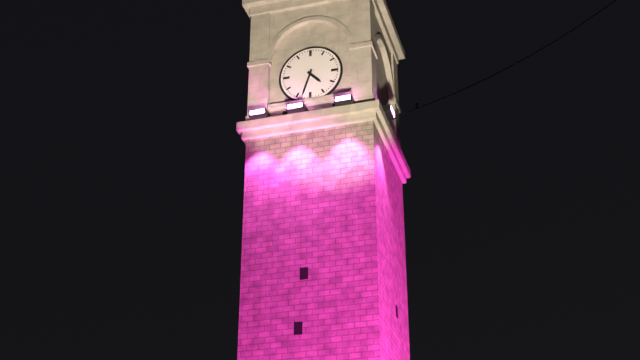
4:33
